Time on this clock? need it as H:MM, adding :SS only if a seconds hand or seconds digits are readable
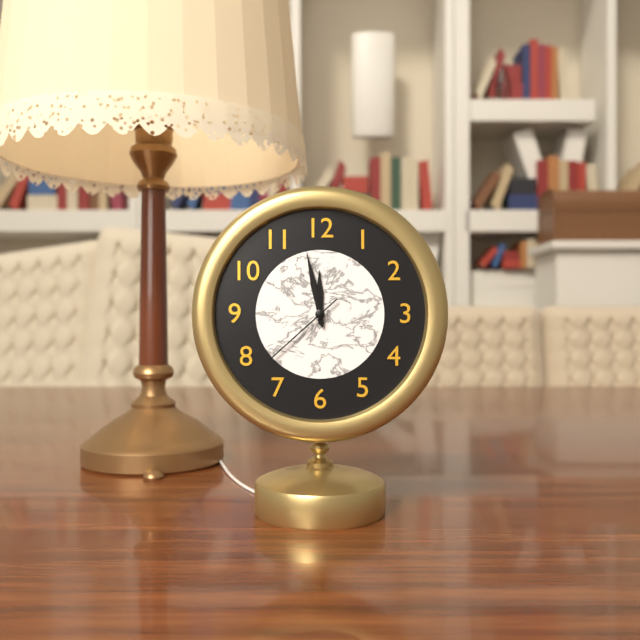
11:58:38
